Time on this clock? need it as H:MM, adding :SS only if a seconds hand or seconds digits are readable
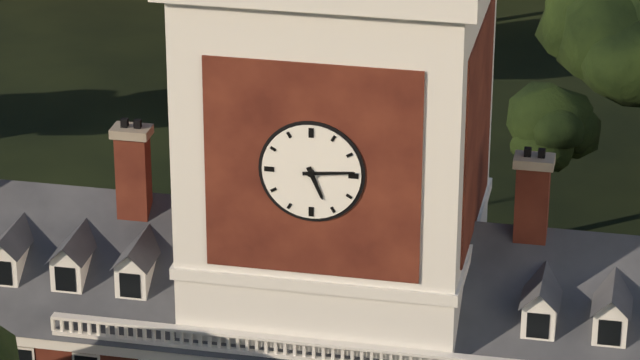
5:14
